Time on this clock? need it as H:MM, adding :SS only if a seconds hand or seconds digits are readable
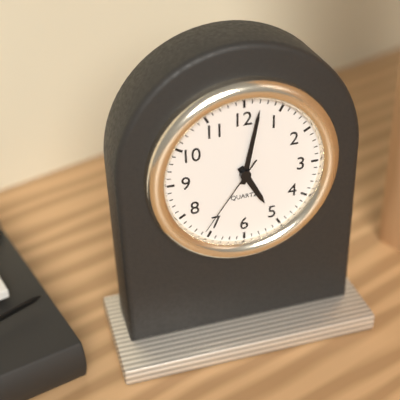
5:02:36
